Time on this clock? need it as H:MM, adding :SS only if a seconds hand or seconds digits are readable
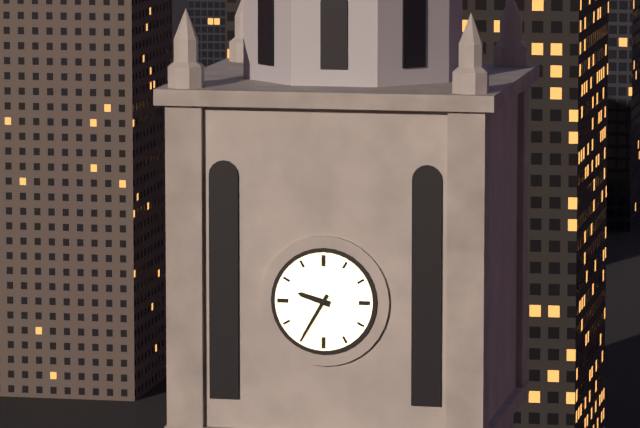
9:35
